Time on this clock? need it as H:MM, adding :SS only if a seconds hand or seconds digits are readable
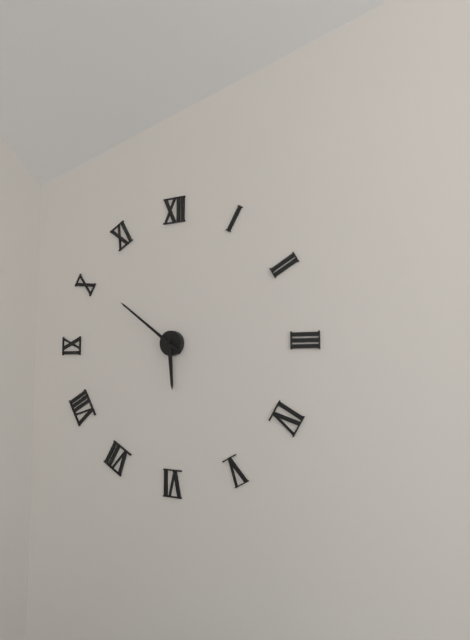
5:51
